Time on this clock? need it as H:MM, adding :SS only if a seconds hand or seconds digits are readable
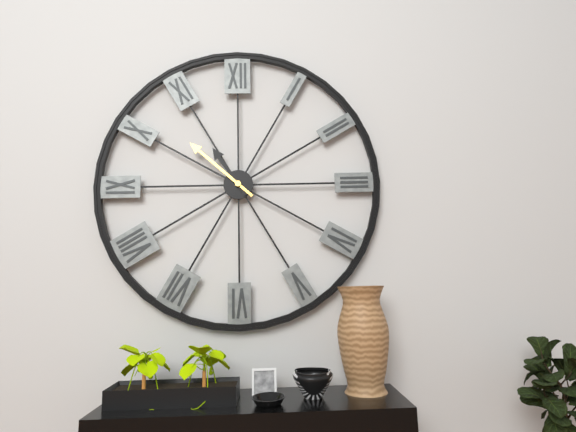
10:52
